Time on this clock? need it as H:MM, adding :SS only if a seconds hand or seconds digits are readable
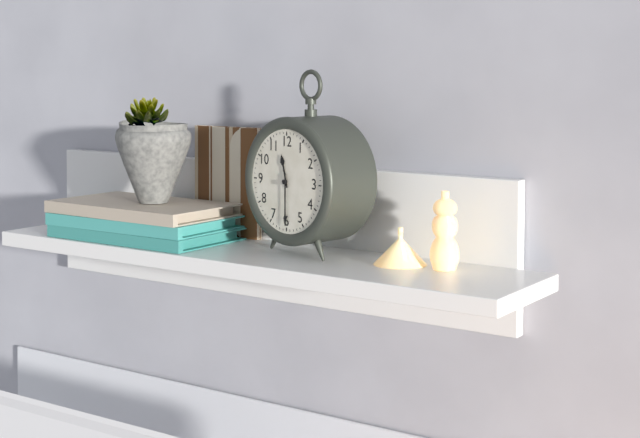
11:30
